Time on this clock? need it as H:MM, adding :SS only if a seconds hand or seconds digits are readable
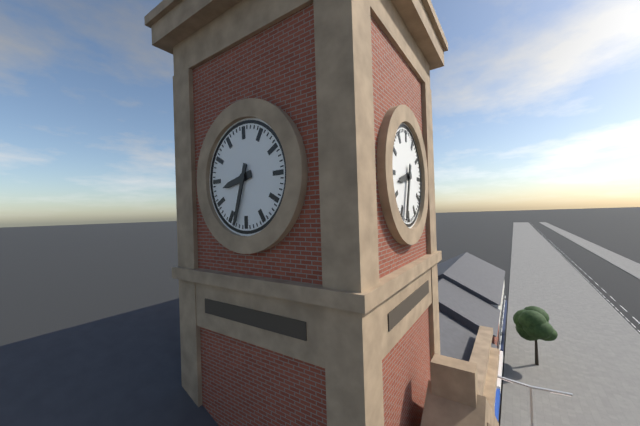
8:33
